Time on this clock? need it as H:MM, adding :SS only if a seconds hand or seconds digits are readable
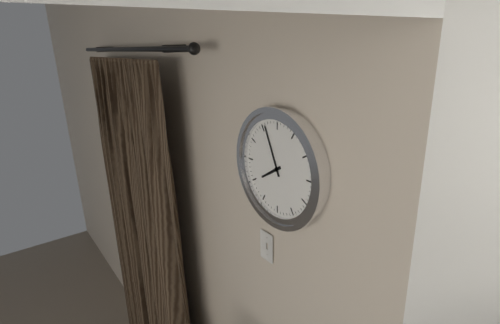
7:56
